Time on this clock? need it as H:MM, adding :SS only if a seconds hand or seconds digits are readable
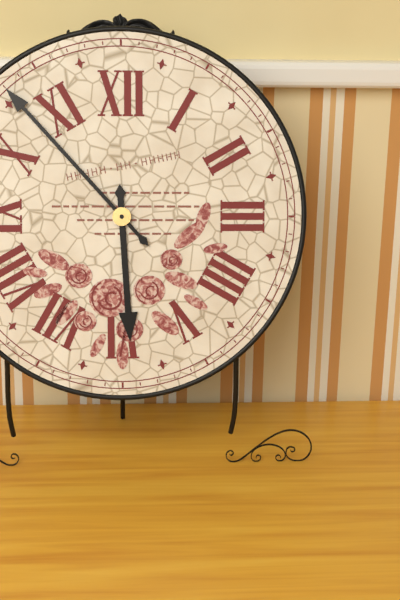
5:53
